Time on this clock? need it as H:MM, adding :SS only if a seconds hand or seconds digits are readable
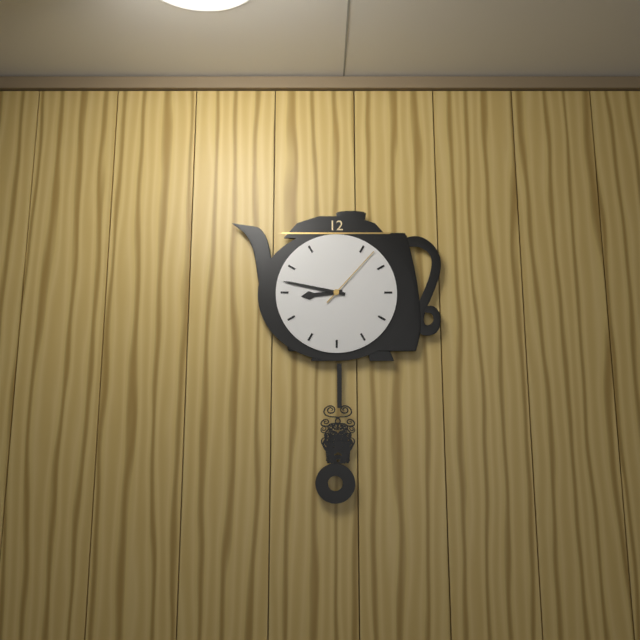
8:47:07
